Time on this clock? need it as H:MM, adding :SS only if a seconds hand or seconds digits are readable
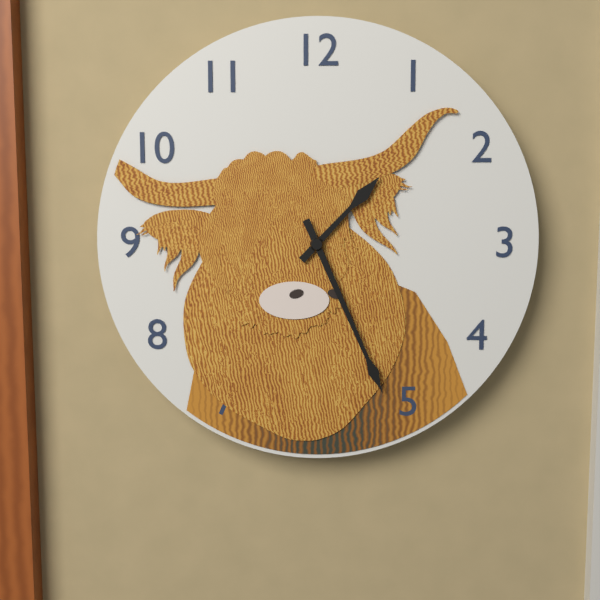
1:26
